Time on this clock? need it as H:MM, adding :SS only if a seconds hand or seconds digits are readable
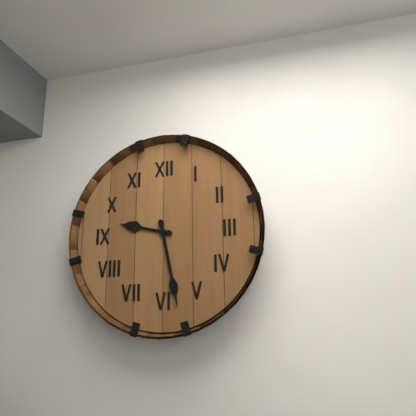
9:28
